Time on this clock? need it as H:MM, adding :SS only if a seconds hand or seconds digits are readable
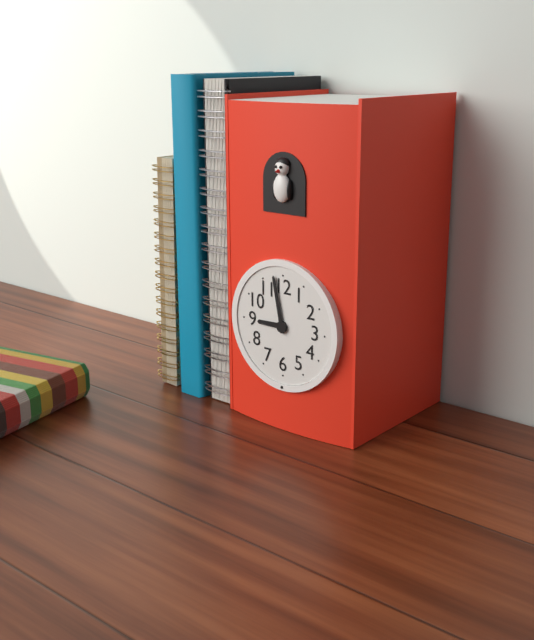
8:58
